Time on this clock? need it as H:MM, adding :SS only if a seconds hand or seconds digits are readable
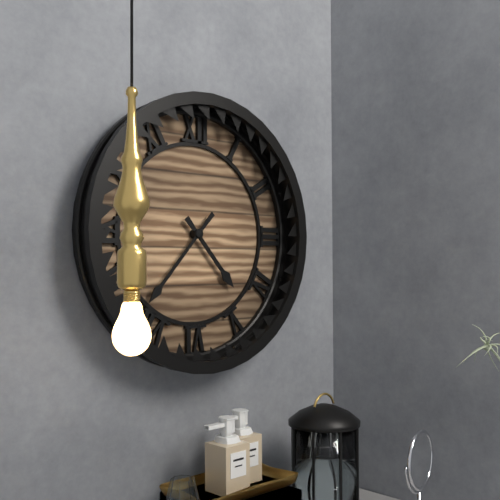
4:37
